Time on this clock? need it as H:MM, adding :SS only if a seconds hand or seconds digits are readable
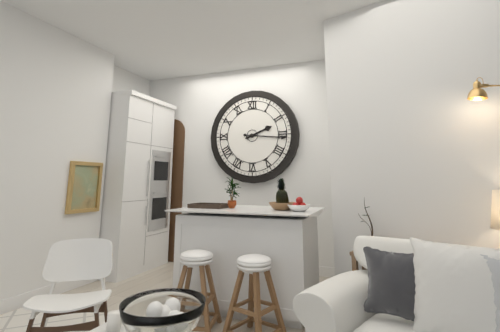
2:16
